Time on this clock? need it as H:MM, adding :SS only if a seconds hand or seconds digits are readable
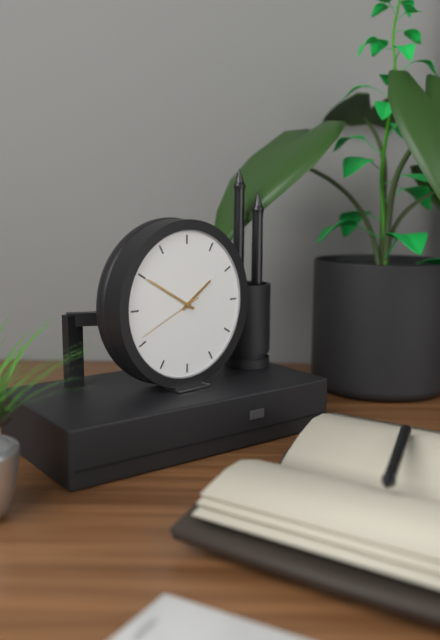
1:50:41
